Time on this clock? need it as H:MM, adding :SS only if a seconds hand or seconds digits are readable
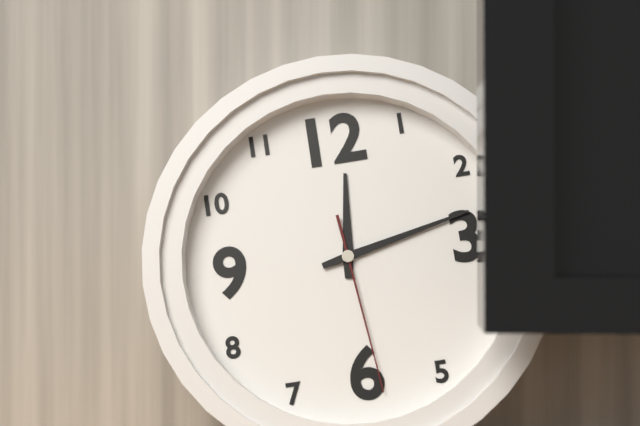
12:13:29
